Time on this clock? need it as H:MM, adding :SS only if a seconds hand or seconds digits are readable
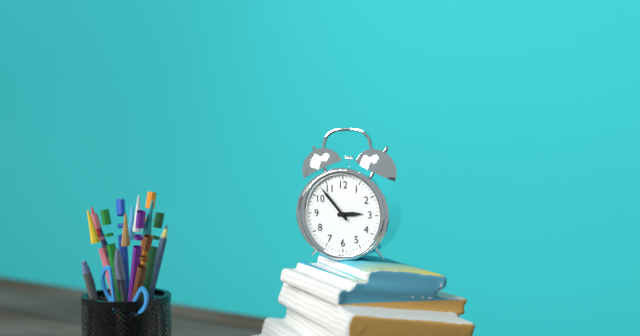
2:53
